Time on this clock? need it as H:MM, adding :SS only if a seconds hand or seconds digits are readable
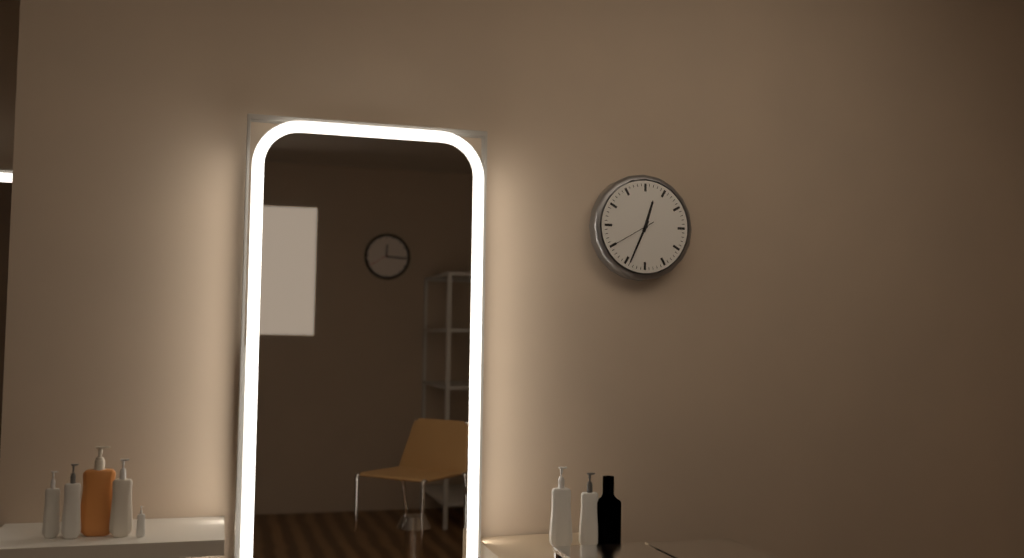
12:34:40
